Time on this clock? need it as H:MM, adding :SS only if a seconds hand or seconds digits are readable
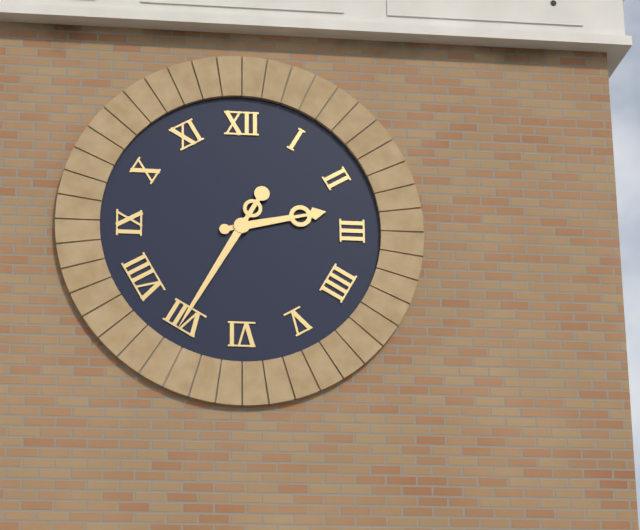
2:35
